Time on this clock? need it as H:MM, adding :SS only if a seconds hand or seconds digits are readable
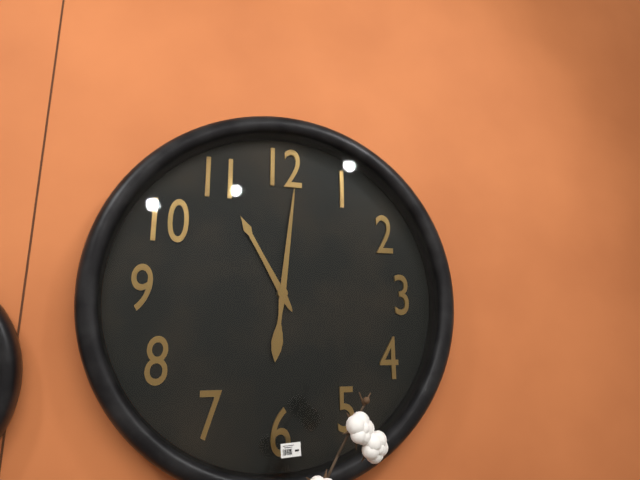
11:01
